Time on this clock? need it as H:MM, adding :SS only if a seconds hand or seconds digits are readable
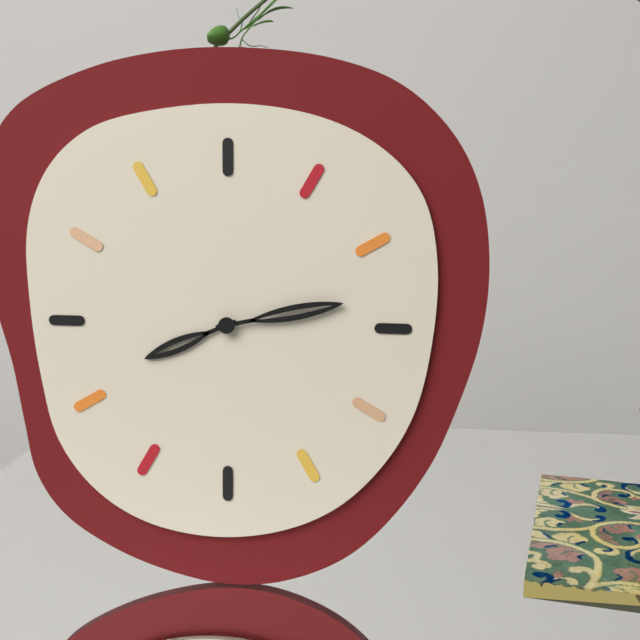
8:13
